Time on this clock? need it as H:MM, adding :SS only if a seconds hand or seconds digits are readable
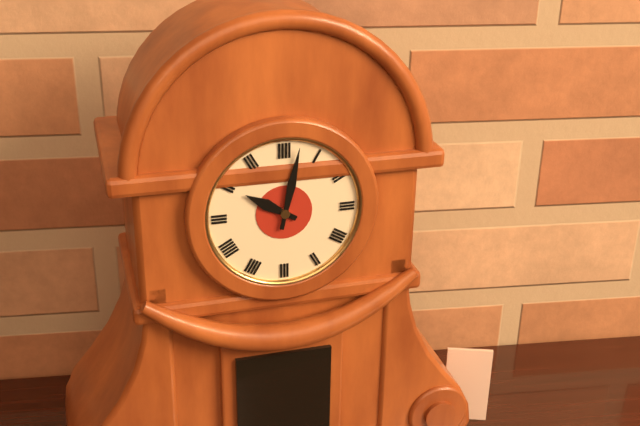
10:02
